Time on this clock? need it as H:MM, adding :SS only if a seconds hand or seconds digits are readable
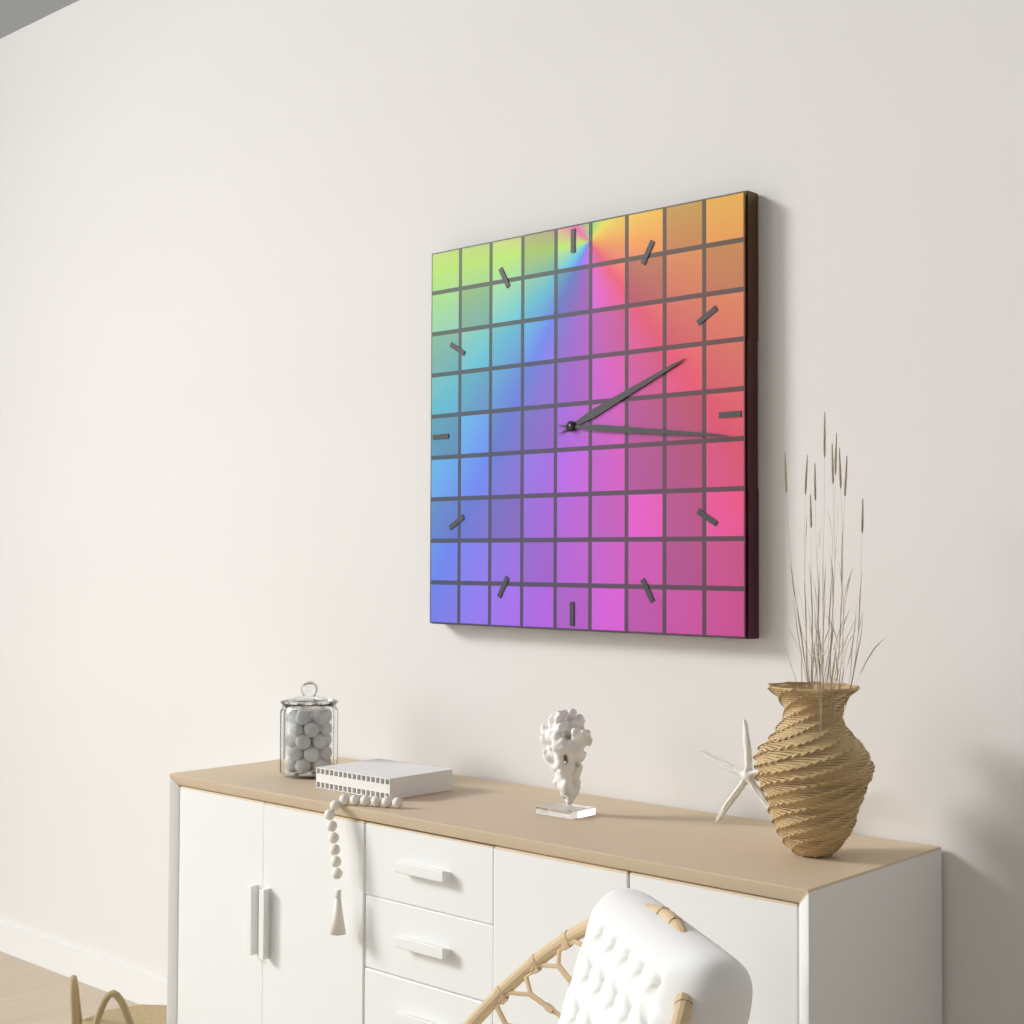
2:16
